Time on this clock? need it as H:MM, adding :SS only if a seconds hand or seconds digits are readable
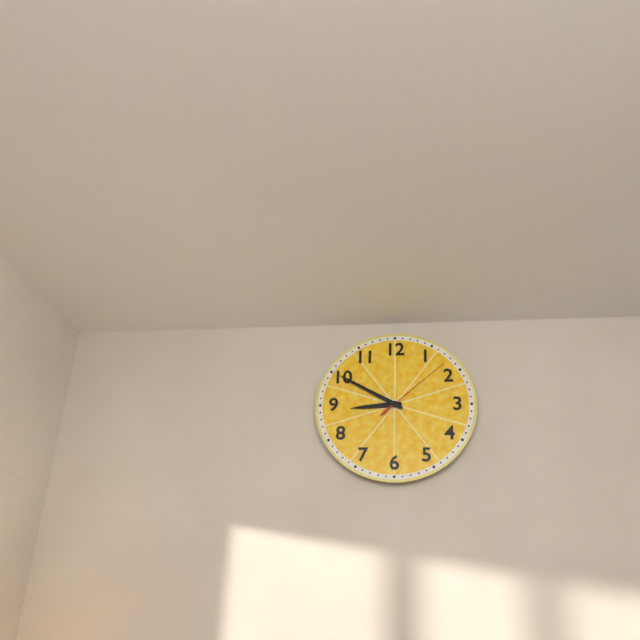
8:50:08
